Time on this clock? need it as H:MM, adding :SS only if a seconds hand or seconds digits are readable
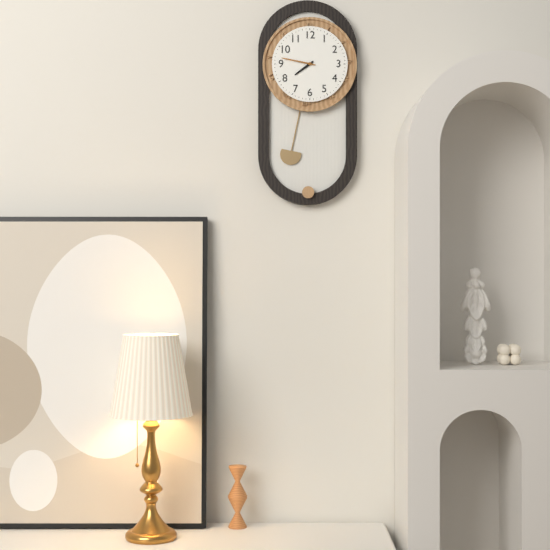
7:47
